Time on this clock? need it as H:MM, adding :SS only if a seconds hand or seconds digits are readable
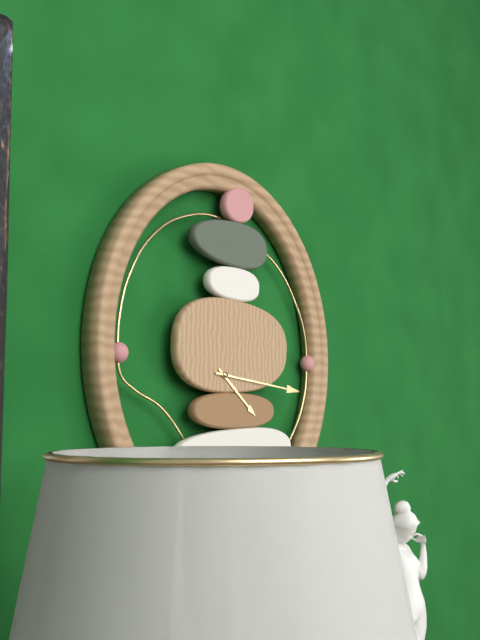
4:16
